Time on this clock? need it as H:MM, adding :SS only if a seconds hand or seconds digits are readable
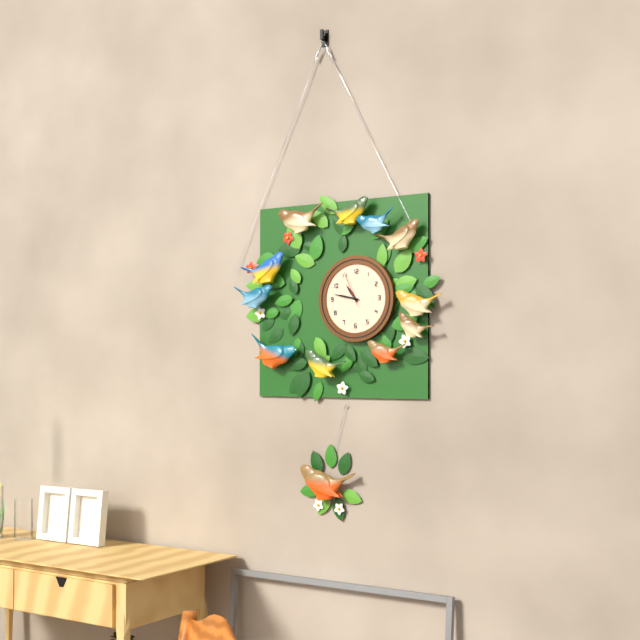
10:47
